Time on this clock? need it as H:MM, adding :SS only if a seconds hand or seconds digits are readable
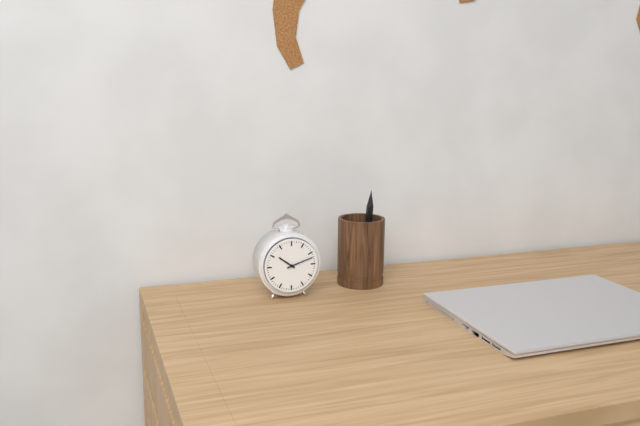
10:12
